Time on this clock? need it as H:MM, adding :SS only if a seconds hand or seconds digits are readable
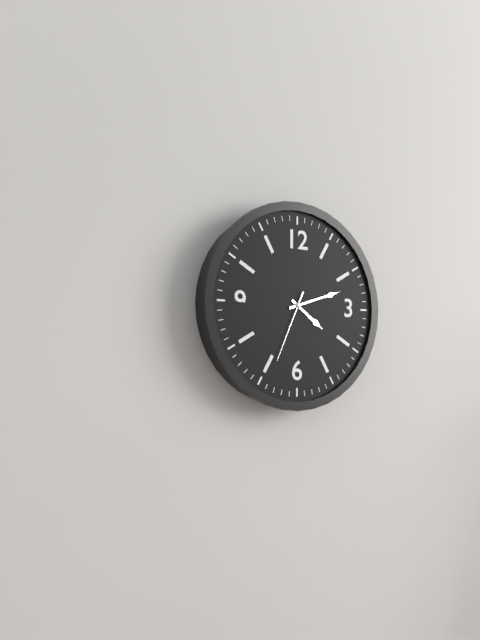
4:12:34
